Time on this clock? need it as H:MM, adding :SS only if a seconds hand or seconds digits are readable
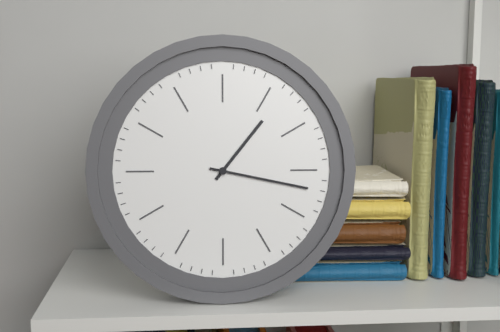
1:17
